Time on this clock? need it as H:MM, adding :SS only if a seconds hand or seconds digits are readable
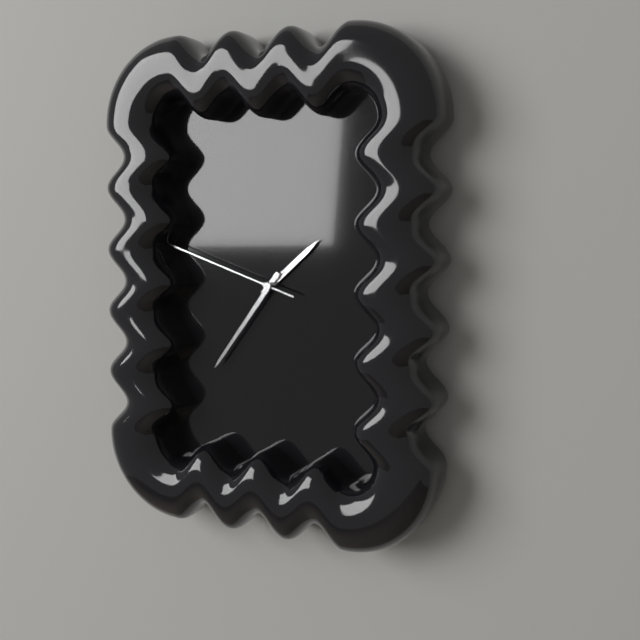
1:36:48
